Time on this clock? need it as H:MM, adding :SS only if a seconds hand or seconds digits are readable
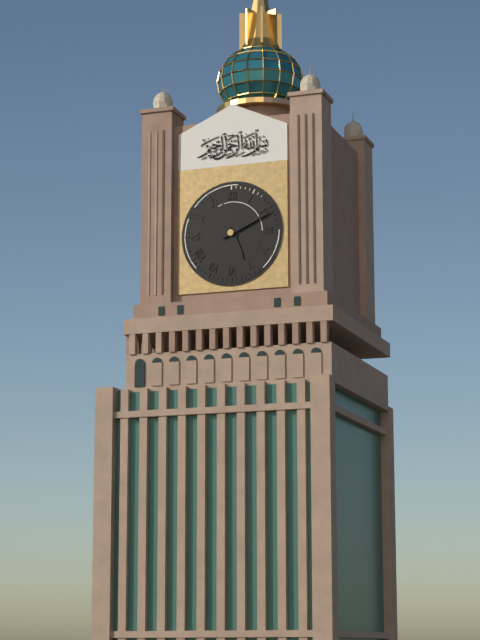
5:11
